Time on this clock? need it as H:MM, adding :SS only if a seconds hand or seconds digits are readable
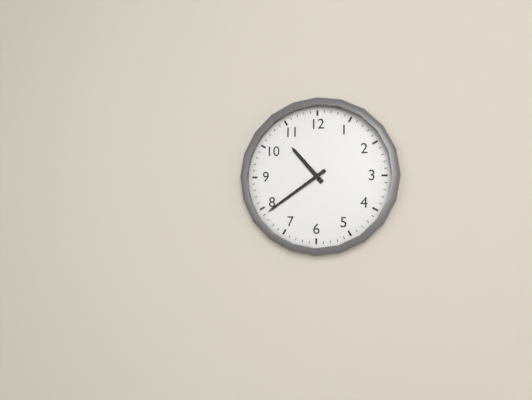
10:39
